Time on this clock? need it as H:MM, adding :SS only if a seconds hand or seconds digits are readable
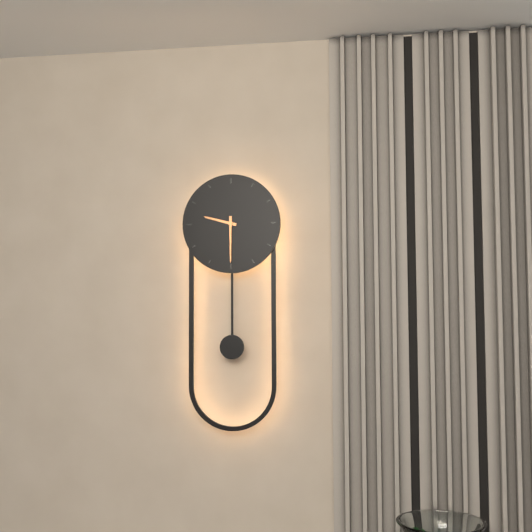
9:30
